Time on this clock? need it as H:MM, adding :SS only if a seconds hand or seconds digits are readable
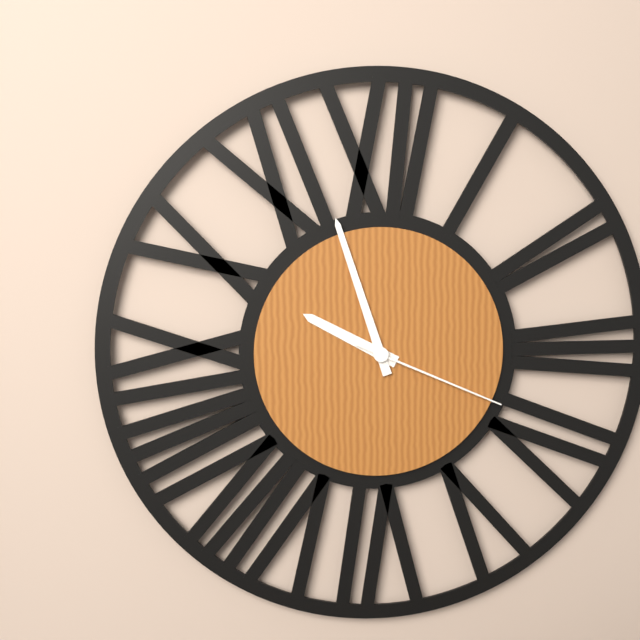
9:57:19
